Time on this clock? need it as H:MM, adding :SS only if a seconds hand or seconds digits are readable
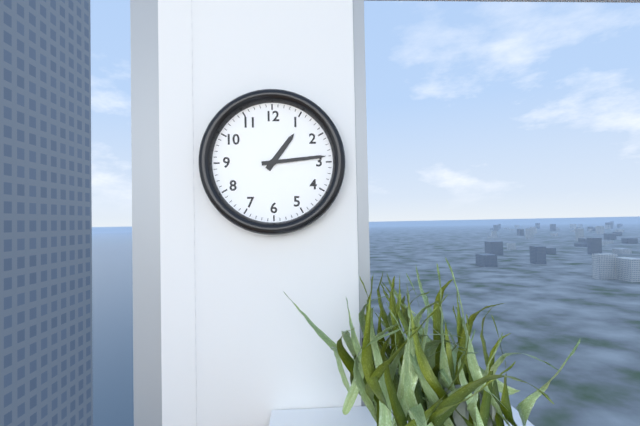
1:14
